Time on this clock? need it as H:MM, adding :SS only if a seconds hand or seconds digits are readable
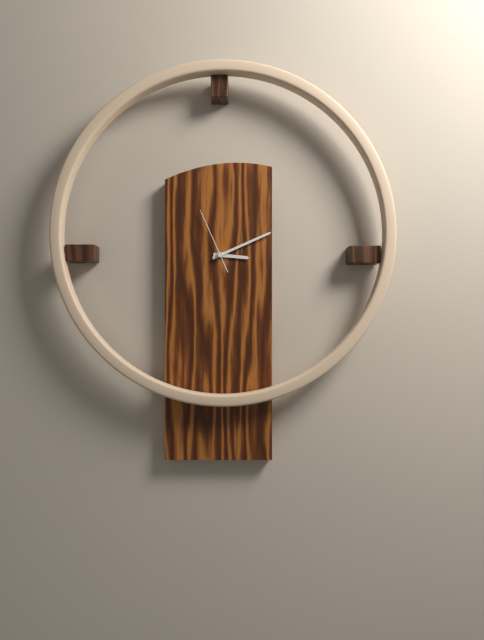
3:11:56
